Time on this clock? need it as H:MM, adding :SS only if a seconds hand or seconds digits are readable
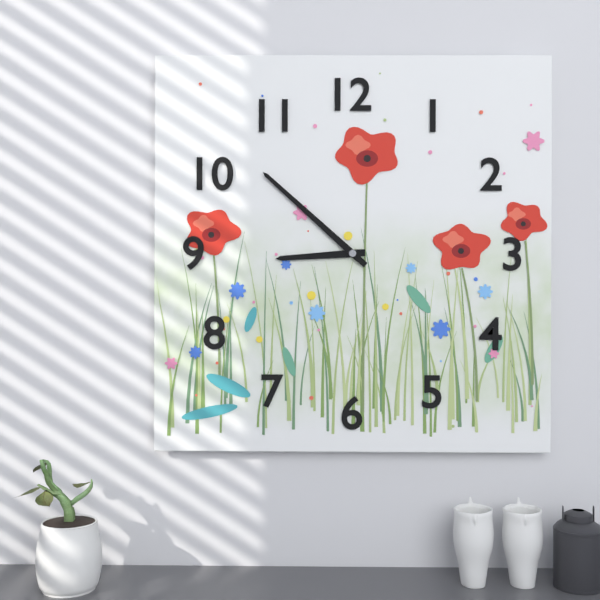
8:52
